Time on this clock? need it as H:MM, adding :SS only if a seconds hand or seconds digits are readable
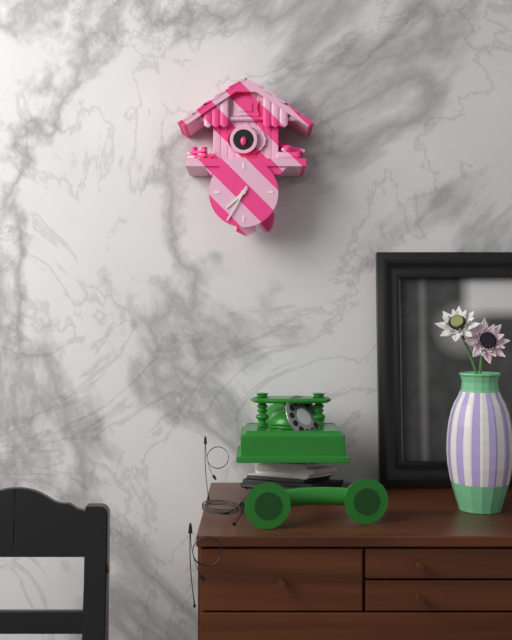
7:35
